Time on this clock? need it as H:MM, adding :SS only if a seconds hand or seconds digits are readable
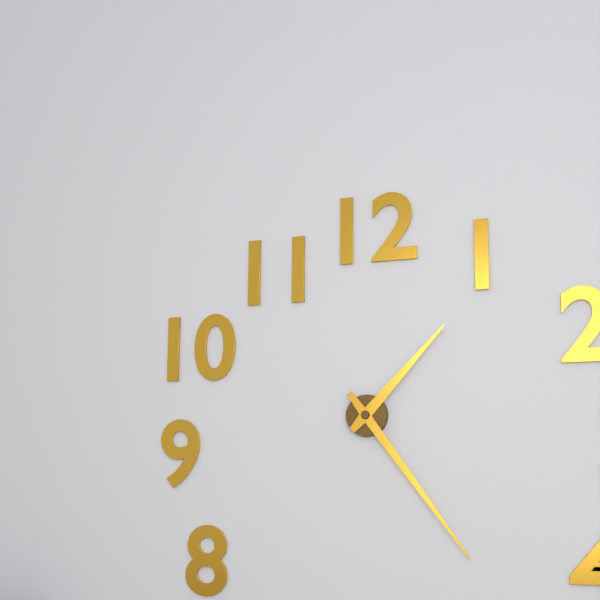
1:24
